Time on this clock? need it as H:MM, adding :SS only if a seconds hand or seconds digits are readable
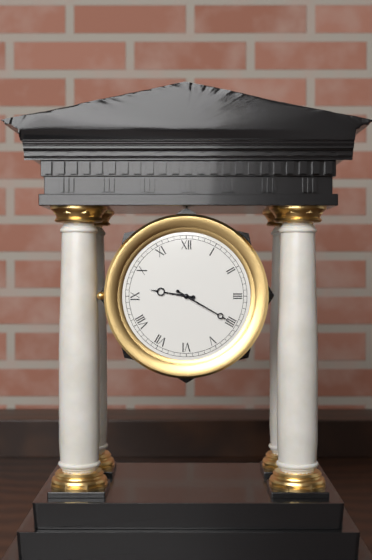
9:20
